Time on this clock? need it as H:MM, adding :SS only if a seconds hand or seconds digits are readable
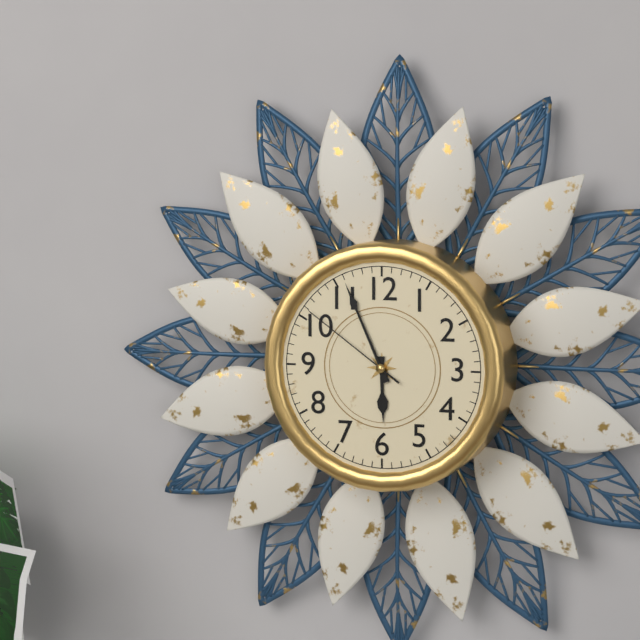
5:56:51
